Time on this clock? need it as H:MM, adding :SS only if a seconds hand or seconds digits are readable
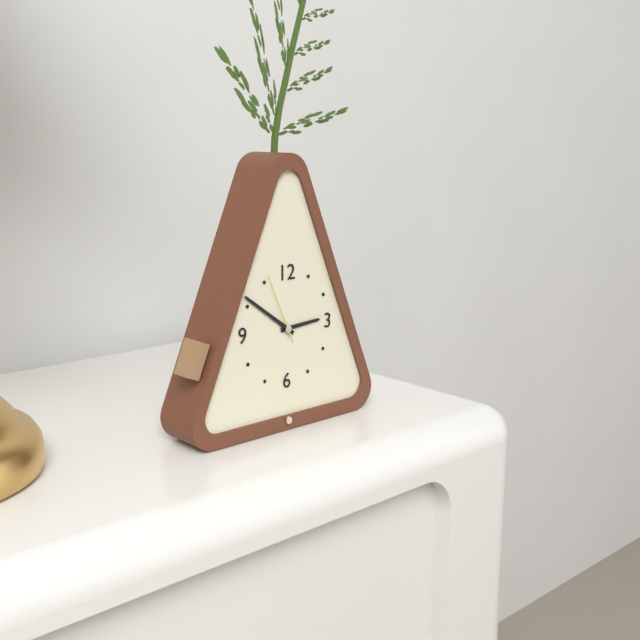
2:51:56
